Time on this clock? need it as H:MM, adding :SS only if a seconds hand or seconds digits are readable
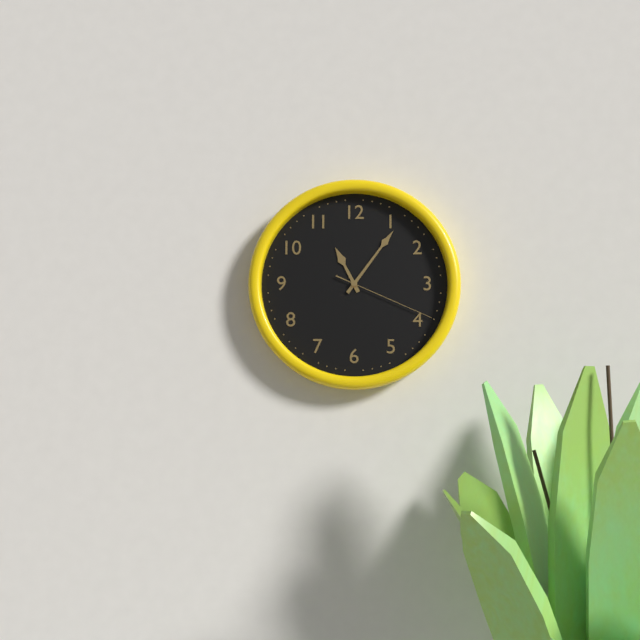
11:06:19
